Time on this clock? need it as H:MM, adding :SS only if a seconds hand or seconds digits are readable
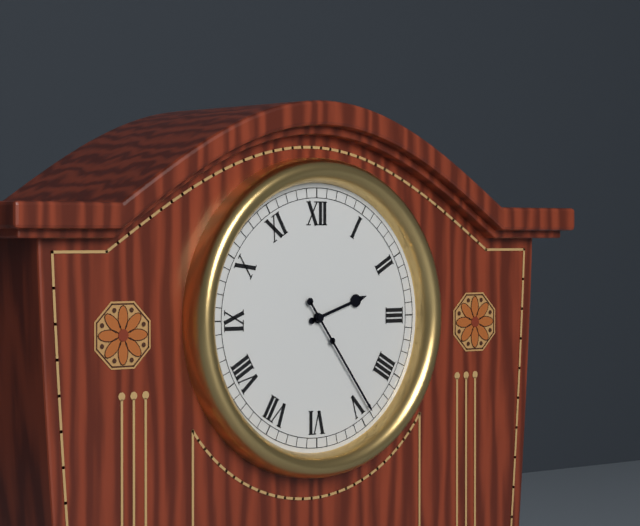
2:24
